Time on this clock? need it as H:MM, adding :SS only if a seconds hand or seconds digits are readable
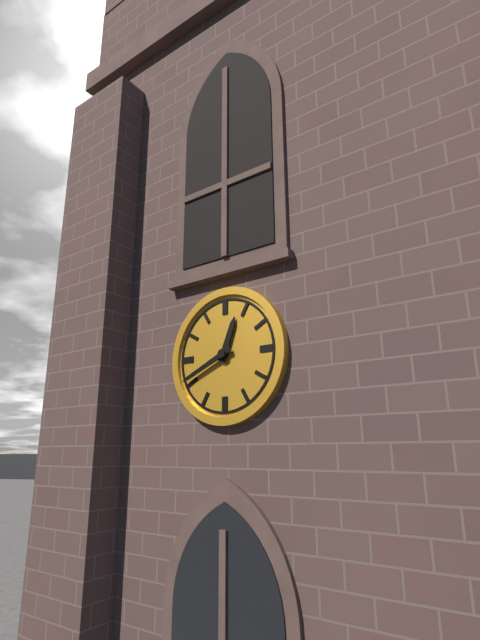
12:41
